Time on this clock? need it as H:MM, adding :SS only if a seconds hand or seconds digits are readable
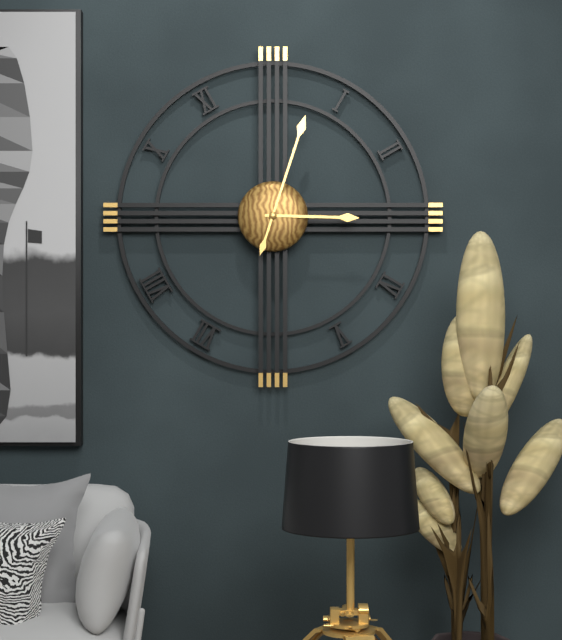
3:03
